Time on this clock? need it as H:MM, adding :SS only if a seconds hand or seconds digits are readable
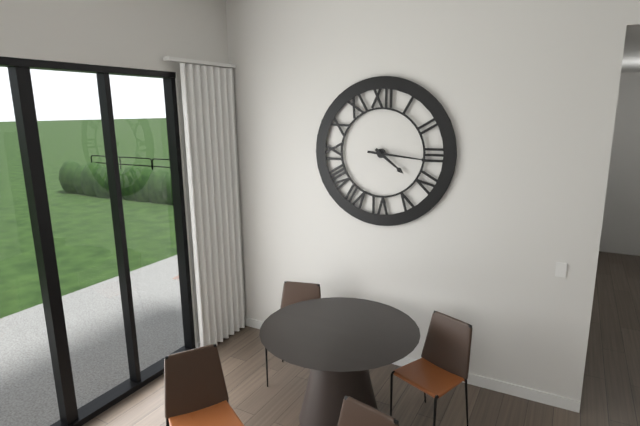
4:16
